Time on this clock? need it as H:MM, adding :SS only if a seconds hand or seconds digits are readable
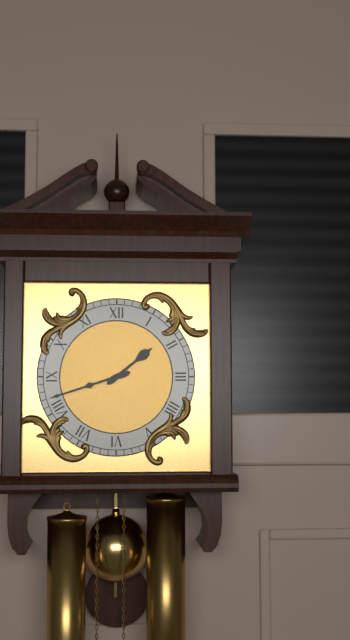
1:42
